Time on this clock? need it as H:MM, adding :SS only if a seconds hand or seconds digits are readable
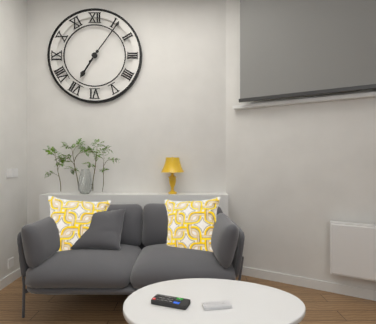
7:06
